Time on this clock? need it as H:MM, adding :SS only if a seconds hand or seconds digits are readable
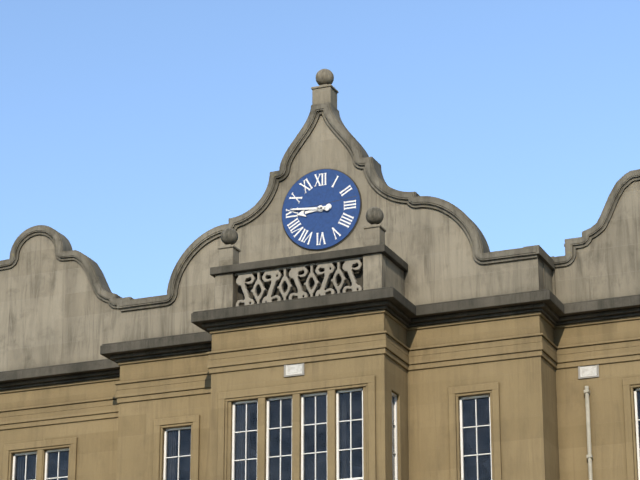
8:46
